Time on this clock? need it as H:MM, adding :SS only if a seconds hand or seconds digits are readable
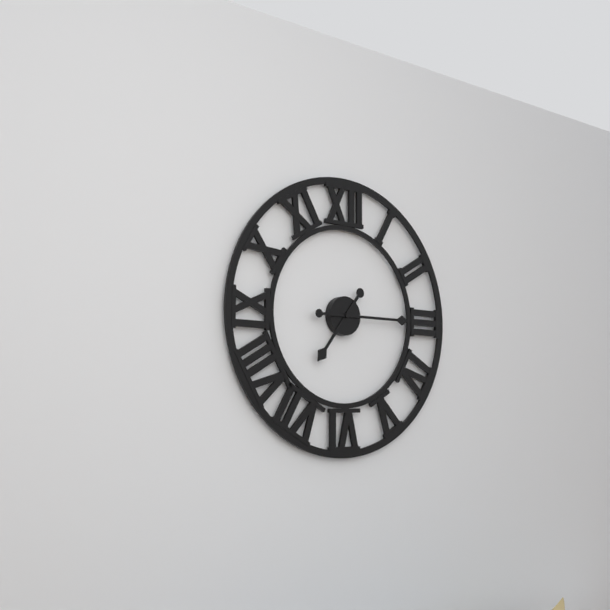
7:15
